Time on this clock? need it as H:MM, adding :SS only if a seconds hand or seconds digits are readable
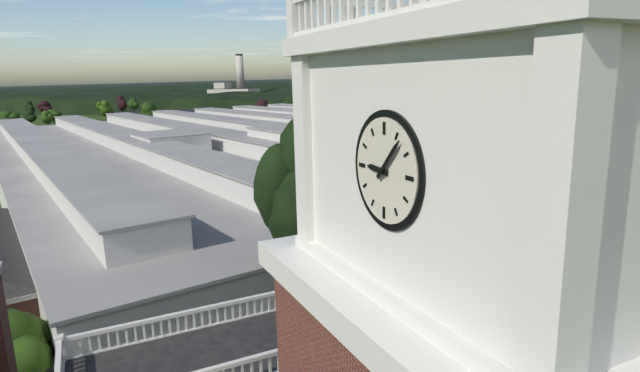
9:07
